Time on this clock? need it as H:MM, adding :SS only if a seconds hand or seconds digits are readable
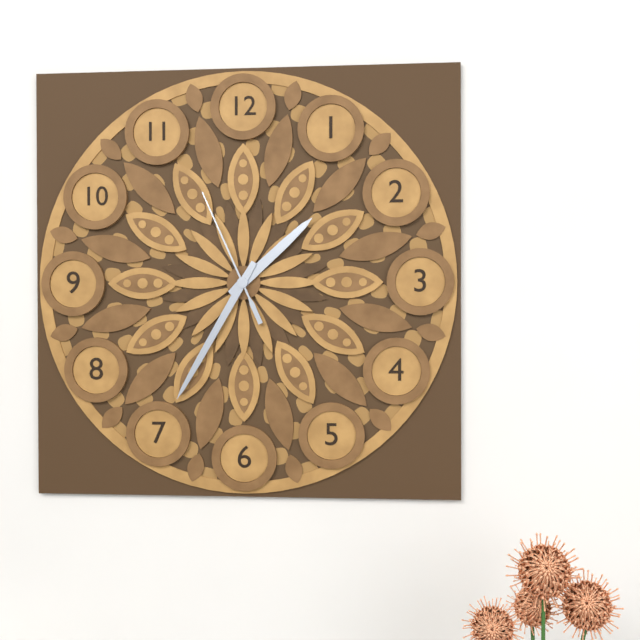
1:35:56
